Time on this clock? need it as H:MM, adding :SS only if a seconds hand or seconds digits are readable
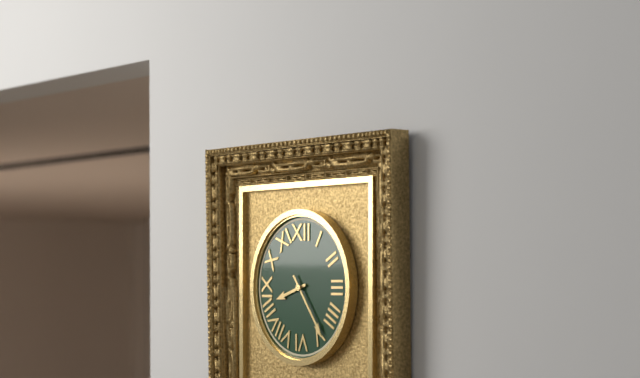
8:24
